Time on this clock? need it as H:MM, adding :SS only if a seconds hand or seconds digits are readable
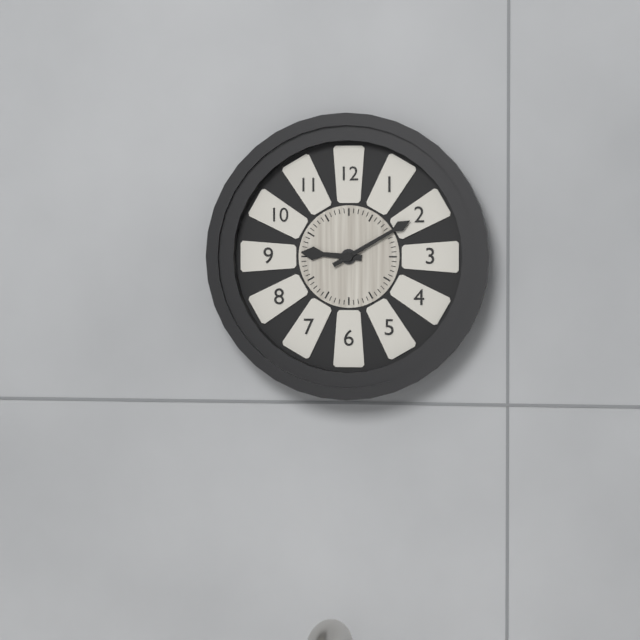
9:10
